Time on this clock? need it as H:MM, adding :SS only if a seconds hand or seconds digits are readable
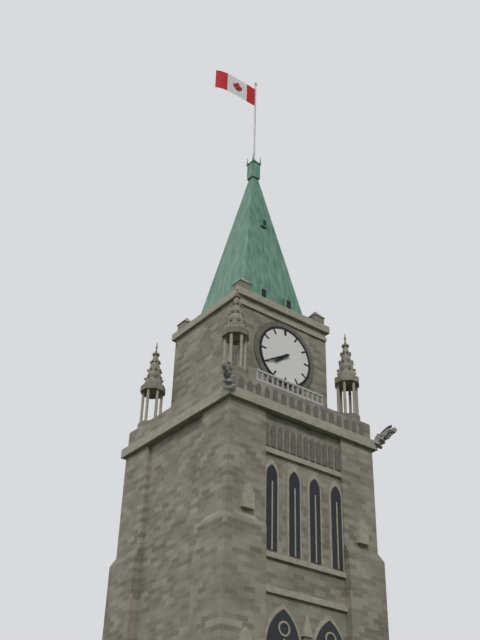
7:40
